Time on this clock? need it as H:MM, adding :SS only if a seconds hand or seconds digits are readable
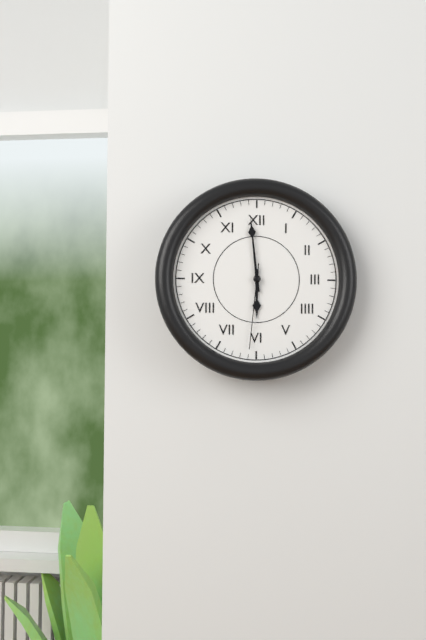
5:59:31
